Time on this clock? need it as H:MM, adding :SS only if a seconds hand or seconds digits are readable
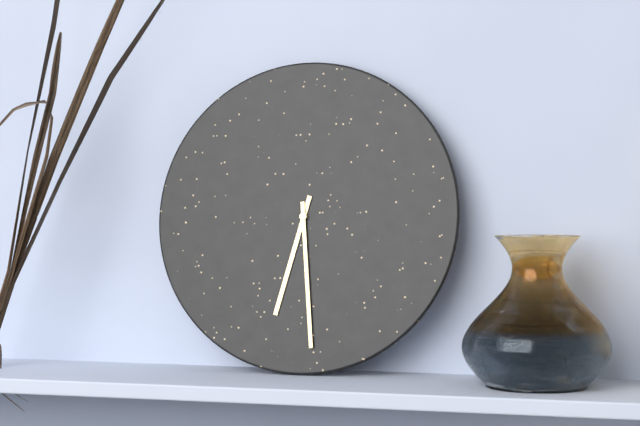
6:29
